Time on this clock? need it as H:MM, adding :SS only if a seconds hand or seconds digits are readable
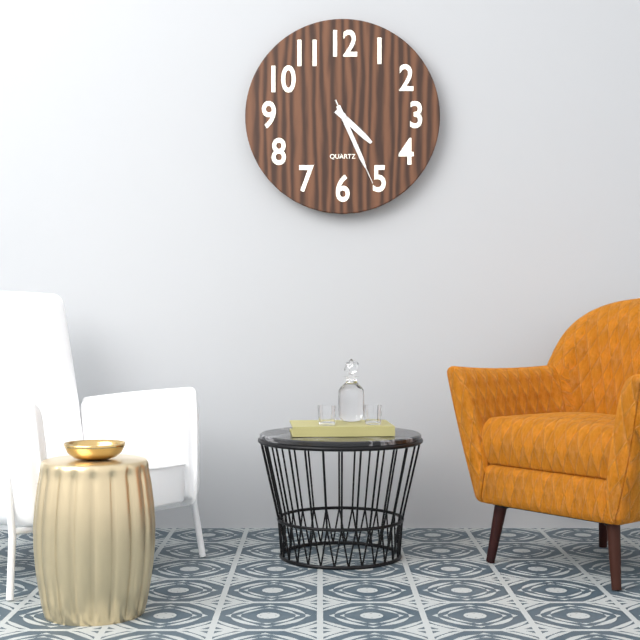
4:26:26
